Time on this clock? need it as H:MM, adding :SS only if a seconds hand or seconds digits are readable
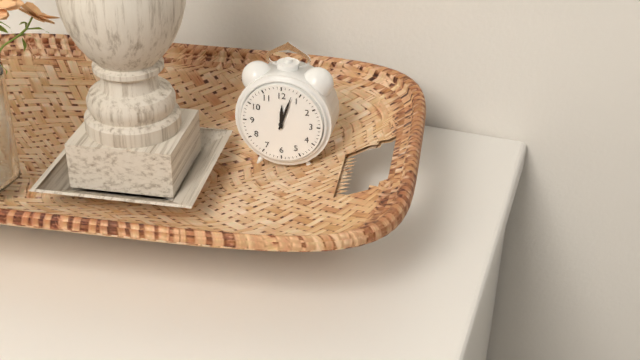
12:03
